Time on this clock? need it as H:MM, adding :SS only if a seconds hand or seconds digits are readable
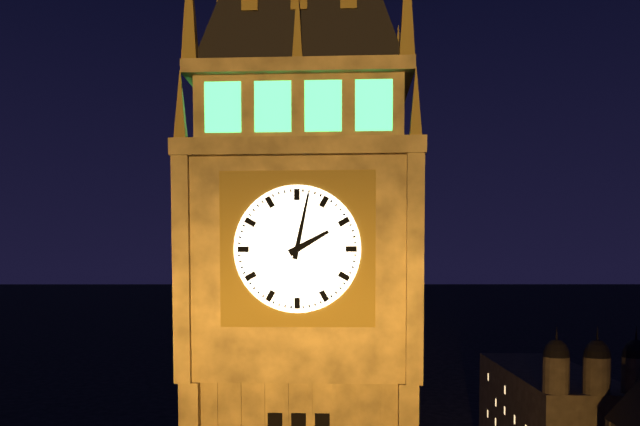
2:02
